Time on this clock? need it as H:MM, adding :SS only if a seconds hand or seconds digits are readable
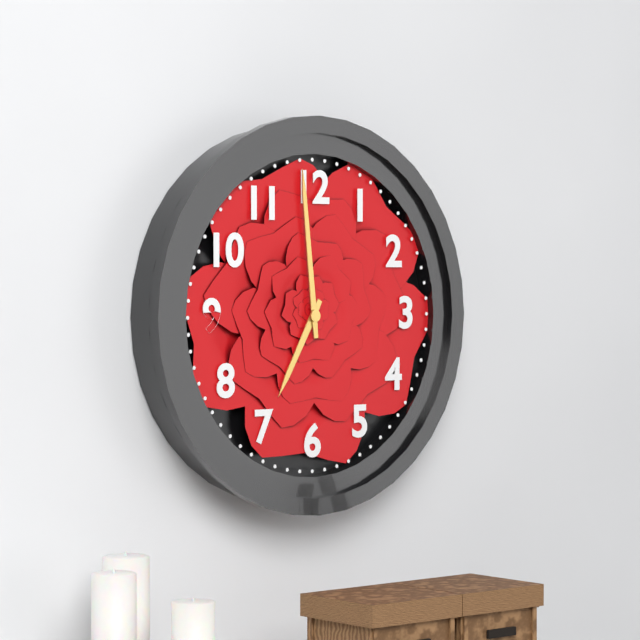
6:59
